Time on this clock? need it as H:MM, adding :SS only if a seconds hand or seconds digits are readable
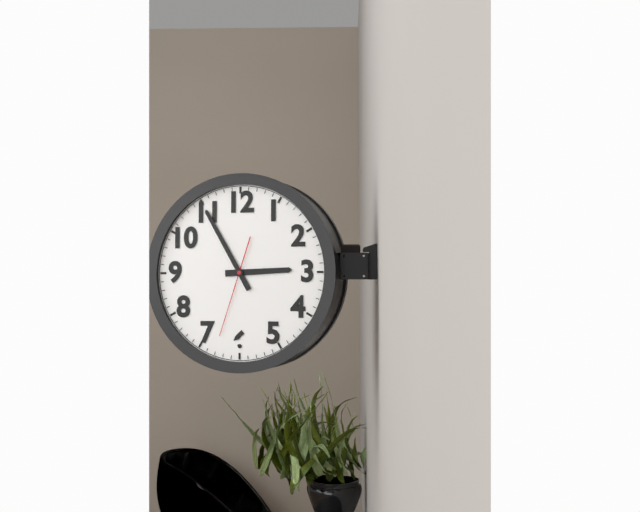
2:55:33
